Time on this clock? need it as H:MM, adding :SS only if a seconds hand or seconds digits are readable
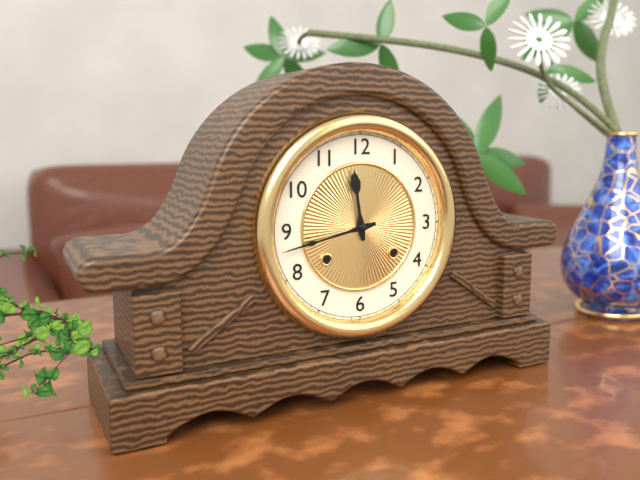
11:43
